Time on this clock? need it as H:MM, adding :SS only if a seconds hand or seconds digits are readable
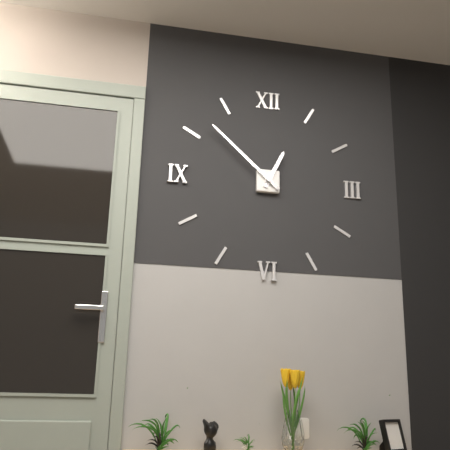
12:52
